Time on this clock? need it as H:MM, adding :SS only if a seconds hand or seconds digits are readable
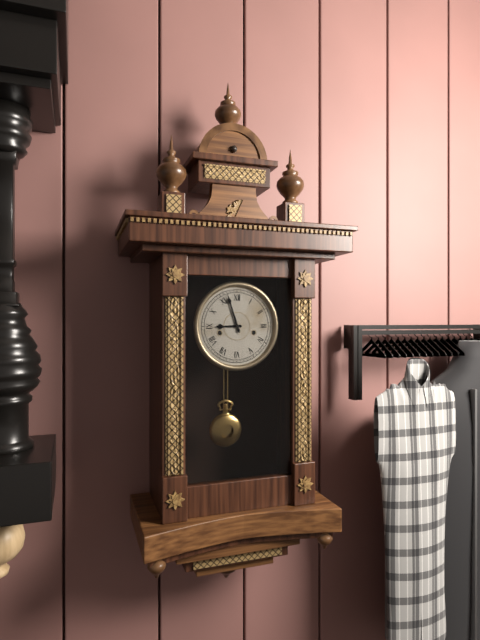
8:57
